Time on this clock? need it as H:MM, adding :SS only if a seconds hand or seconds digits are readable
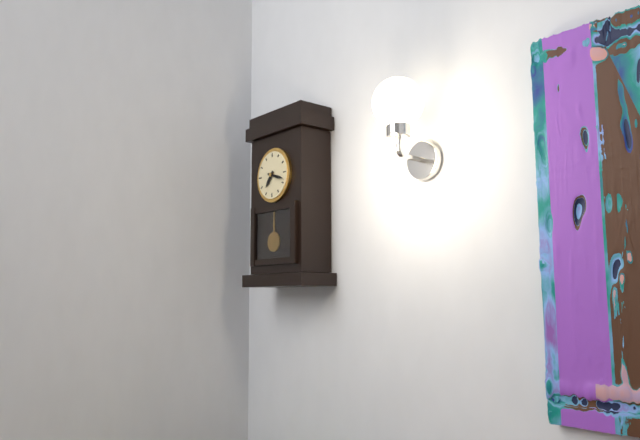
7:18
